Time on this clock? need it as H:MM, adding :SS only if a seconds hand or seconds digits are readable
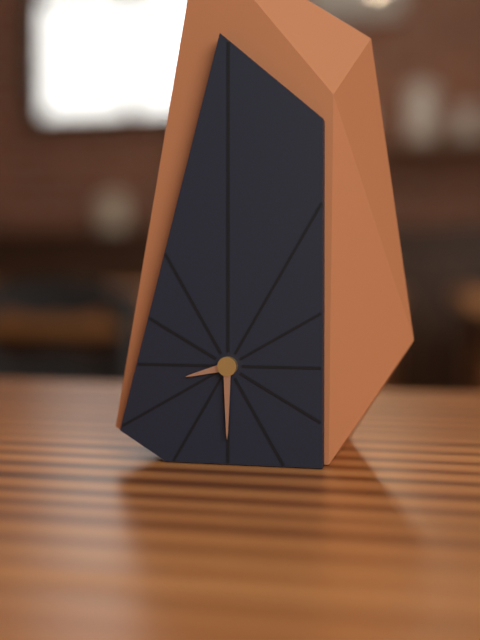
8:30
